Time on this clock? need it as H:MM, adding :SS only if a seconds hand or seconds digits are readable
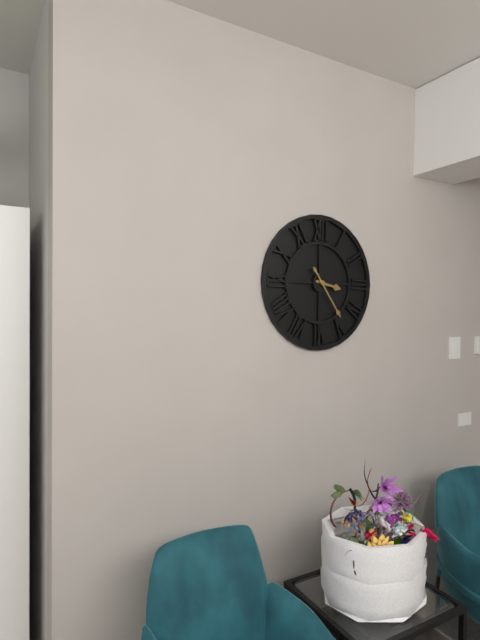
3:24
